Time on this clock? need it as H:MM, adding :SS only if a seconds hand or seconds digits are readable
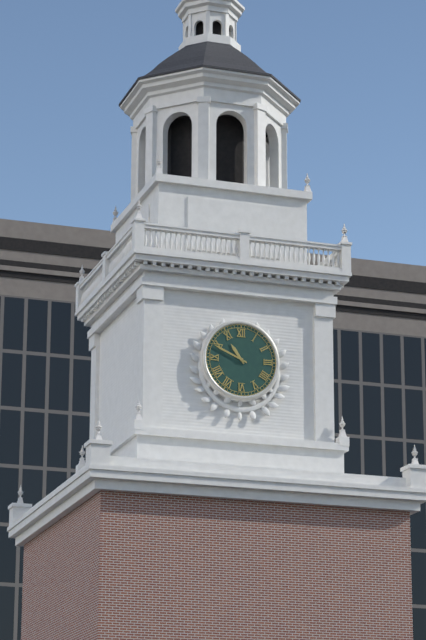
10:49
